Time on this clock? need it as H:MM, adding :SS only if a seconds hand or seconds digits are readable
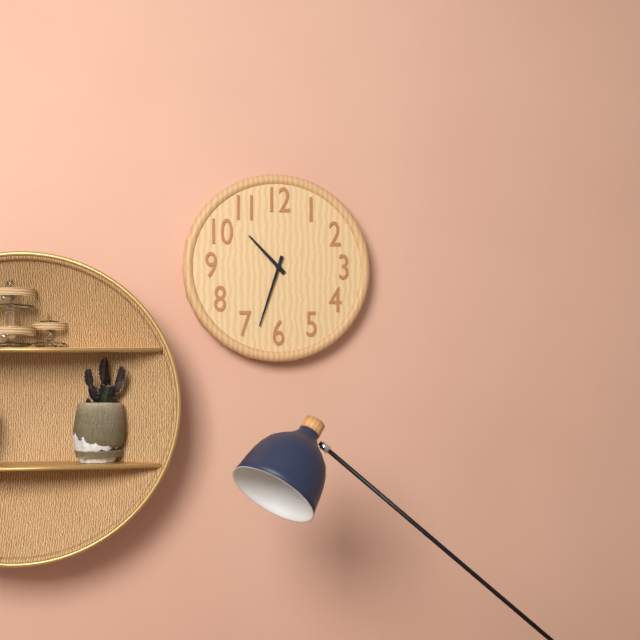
10:33
